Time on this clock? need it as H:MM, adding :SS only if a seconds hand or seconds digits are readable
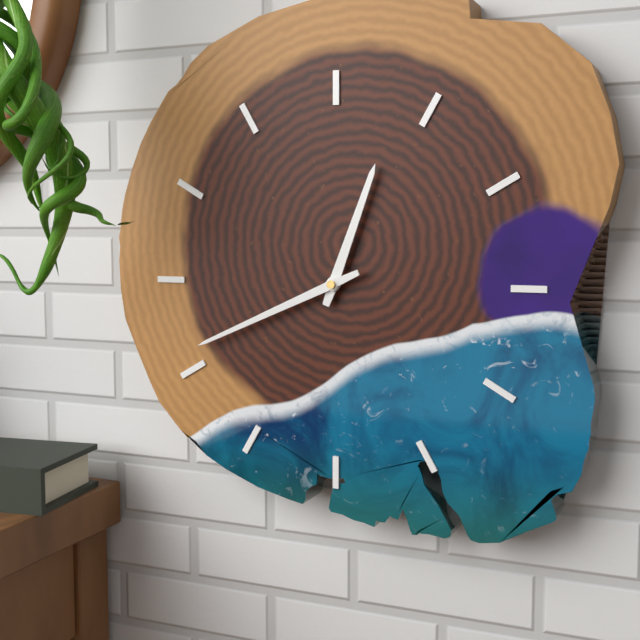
12:41
